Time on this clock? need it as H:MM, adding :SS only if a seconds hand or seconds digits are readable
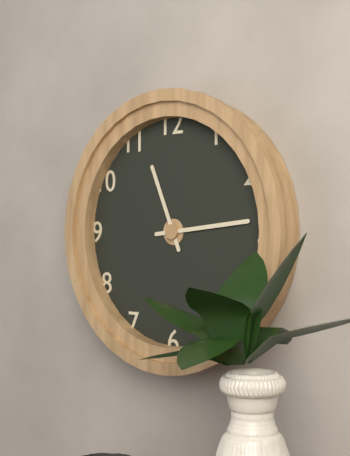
11:14
